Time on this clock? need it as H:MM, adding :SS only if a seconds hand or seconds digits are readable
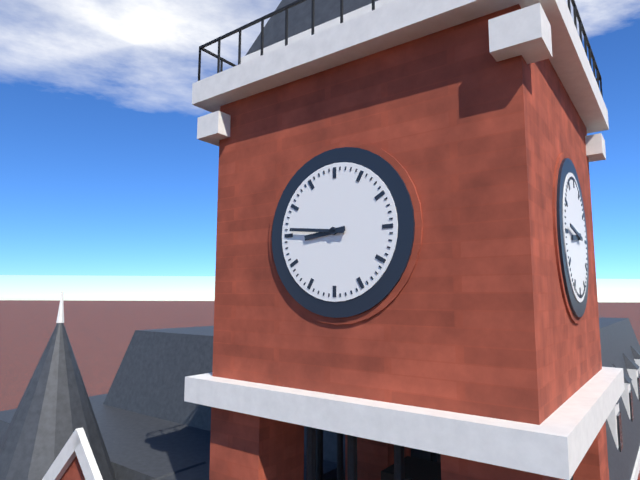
8:46
